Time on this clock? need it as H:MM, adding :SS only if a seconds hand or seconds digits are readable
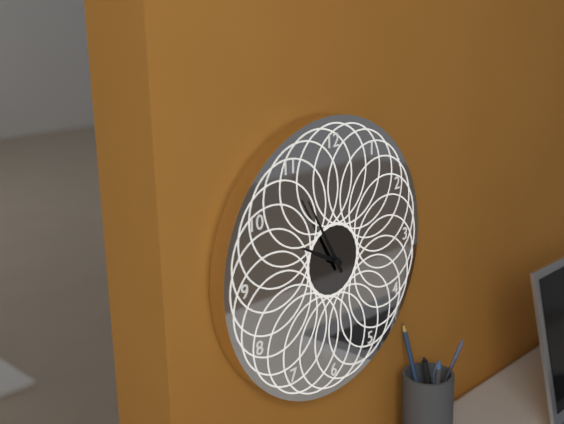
9:55
